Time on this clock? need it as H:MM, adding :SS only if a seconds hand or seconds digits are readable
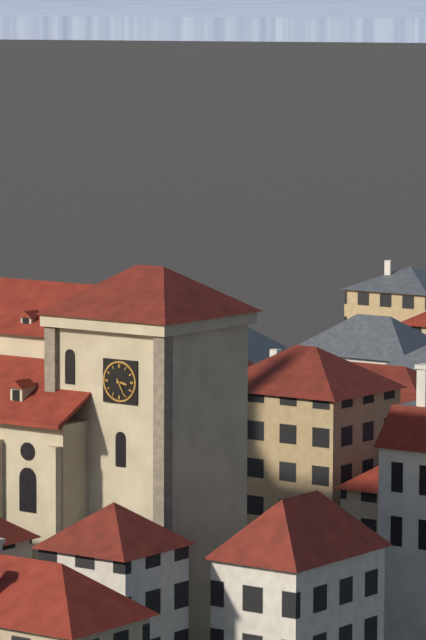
3:25
